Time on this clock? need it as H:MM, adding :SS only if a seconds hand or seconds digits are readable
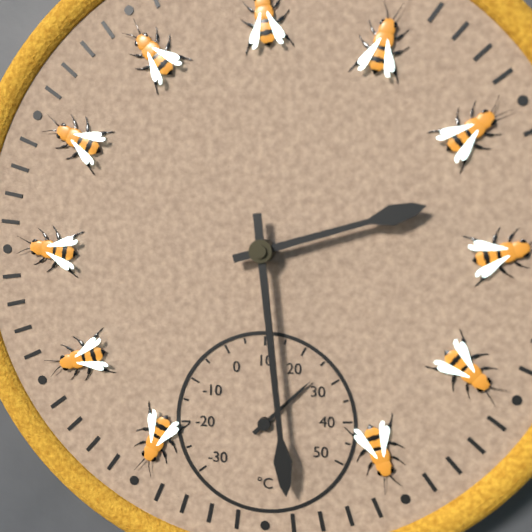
2:29
